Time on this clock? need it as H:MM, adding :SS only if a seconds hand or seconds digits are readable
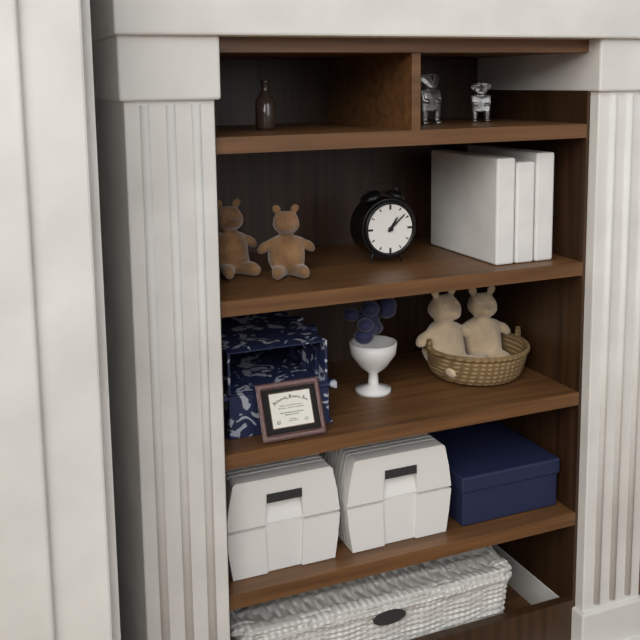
1:08
